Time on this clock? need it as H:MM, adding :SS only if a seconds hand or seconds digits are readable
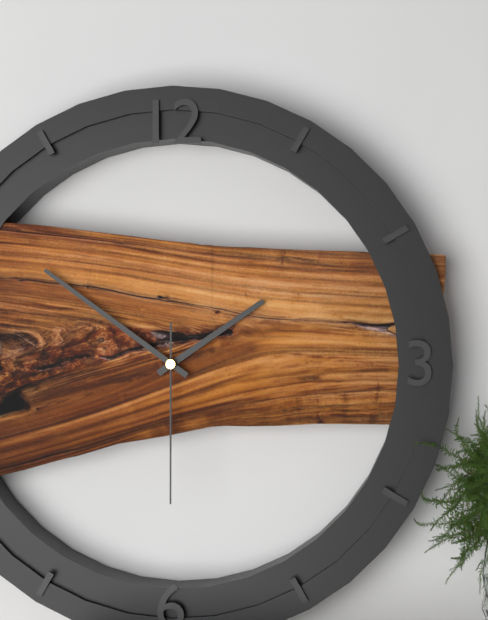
1:51:30
